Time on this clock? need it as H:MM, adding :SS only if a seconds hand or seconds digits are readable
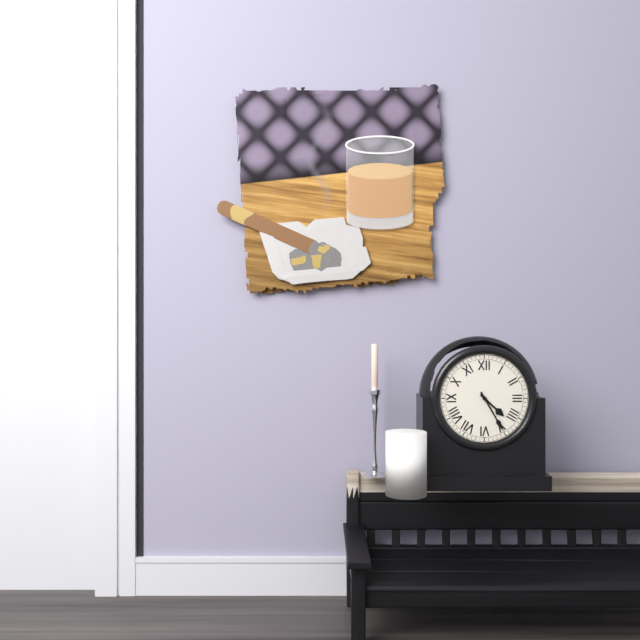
4:25
